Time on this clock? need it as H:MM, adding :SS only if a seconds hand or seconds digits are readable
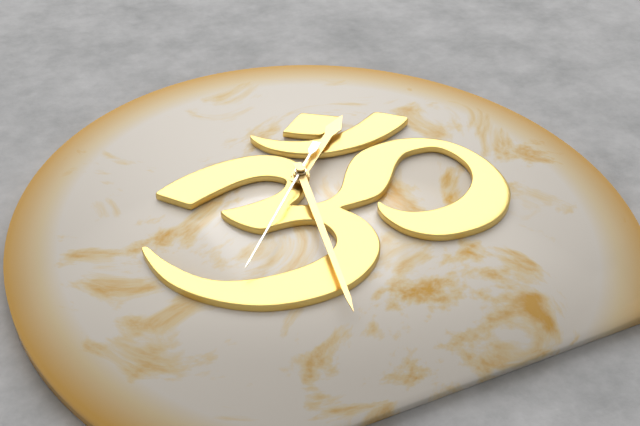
1:32:37
